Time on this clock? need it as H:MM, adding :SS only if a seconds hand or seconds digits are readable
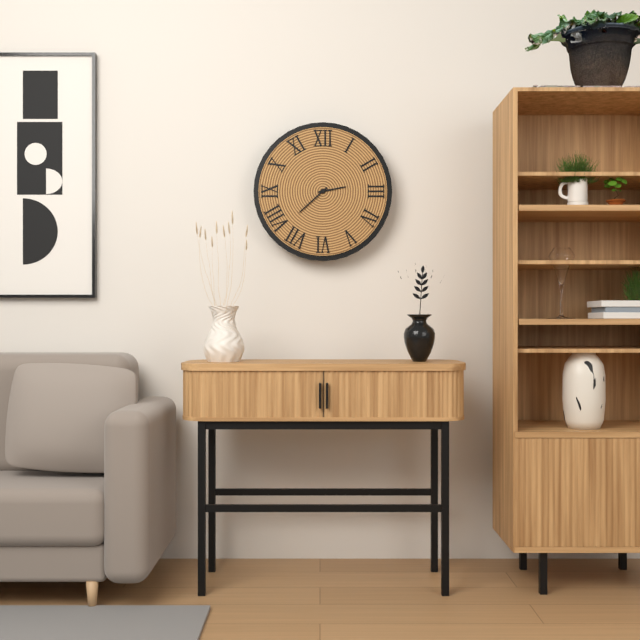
2:38
